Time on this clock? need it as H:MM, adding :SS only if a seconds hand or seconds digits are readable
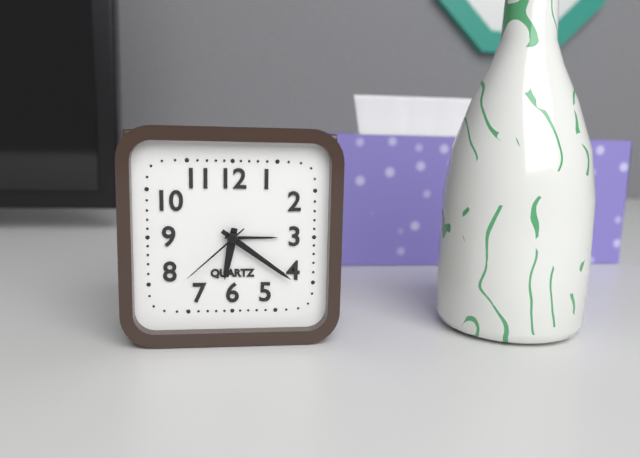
6:21:38
